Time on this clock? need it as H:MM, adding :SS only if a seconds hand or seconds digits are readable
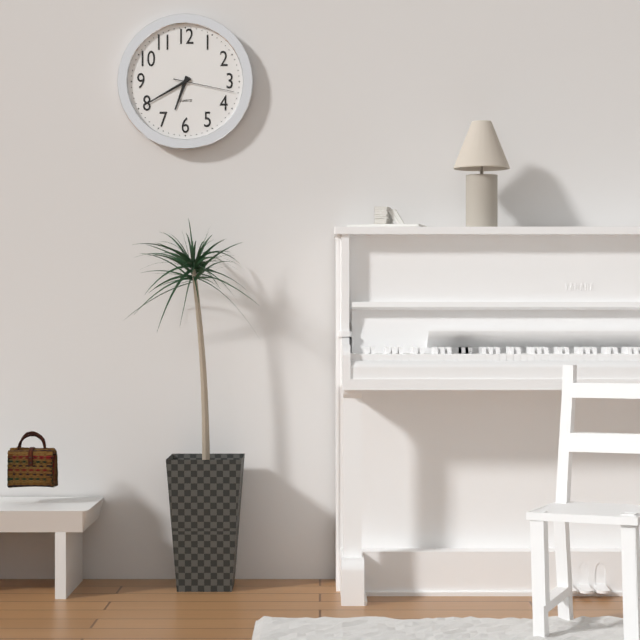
6:40:17
